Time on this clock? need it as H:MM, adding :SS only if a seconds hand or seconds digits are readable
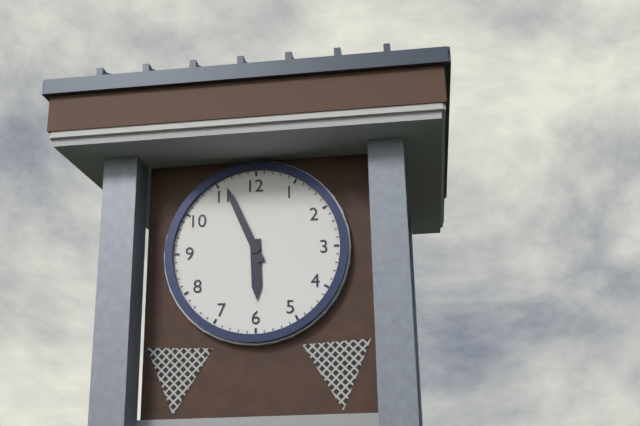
5:56
